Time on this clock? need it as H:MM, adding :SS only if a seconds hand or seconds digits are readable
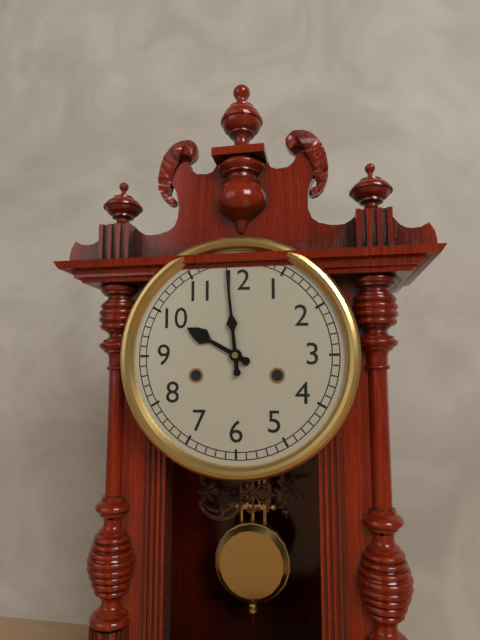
9:59
